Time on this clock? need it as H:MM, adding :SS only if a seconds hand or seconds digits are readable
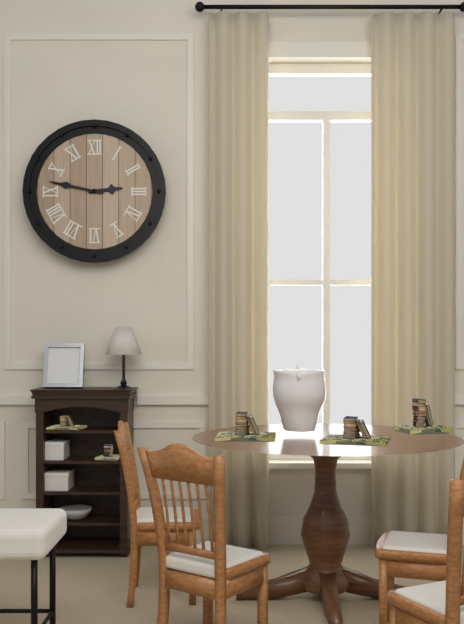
2:47
